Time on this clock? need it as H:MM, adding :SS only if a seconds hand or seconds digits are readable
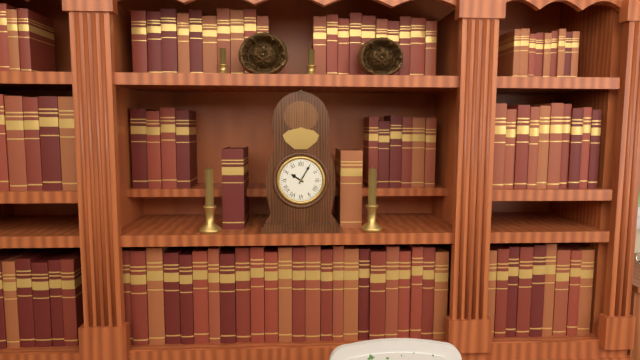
10:05
